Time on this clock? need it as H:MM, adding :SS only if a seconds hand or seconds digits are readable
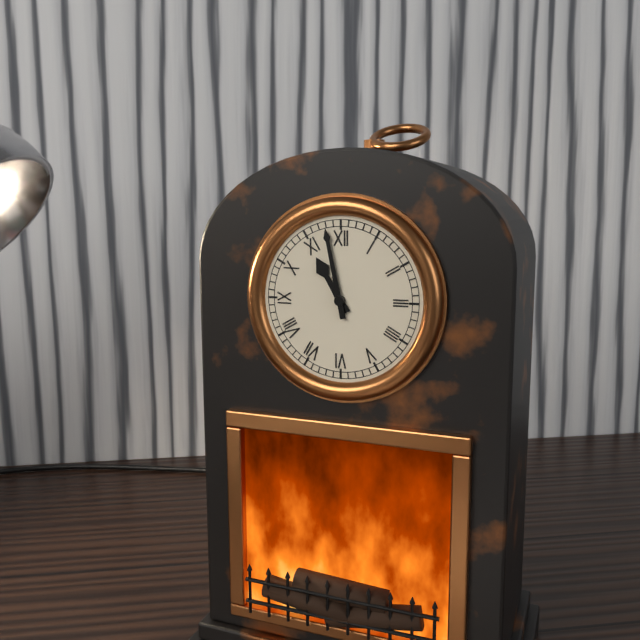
10:58
